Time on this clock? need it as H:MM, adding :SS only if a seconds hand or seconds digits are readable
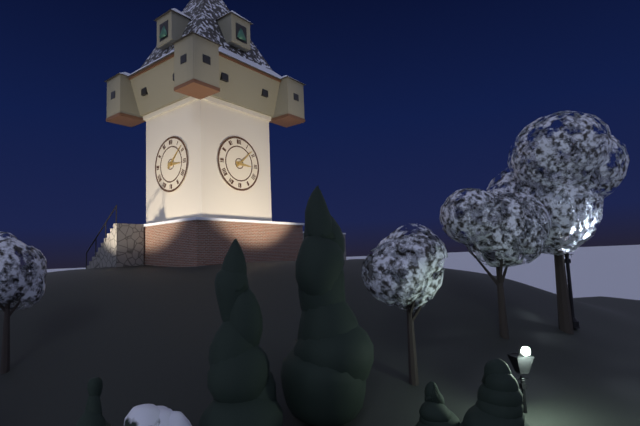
3:08
